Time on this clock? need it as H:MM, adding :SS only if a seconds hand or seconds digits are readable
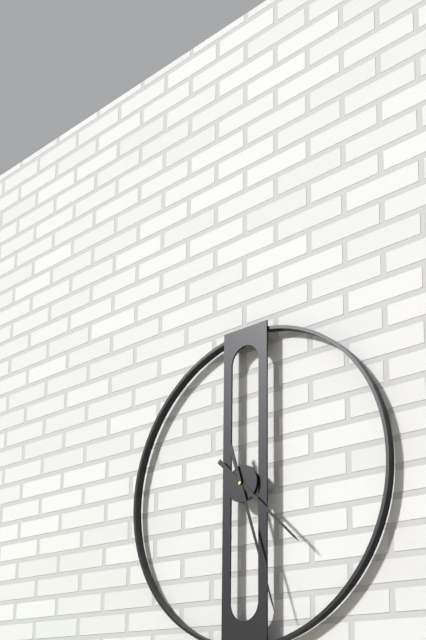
4:27
